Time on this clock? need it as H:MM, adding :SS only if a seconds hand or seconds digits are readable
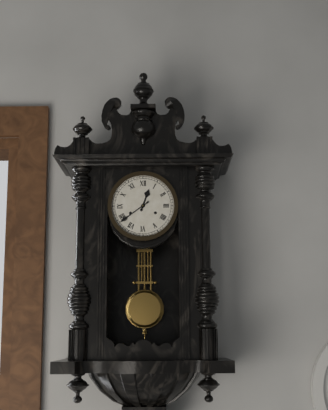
12:39
